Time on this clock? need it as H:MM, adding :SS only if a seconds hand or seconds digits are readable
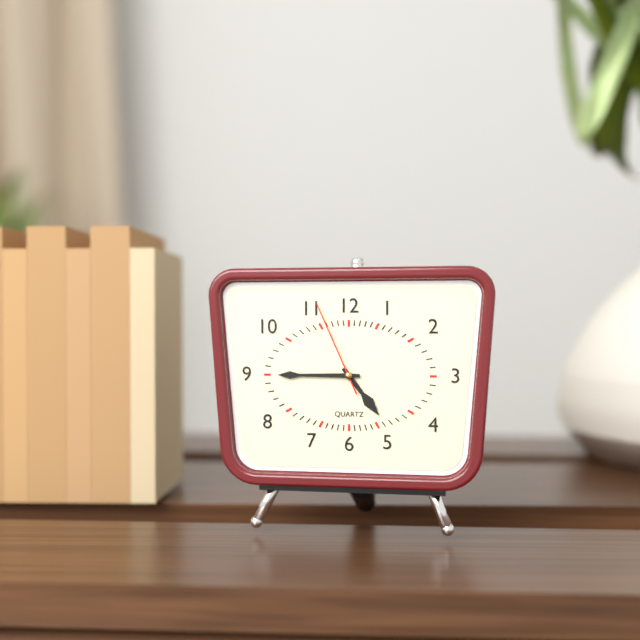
4:45:56
